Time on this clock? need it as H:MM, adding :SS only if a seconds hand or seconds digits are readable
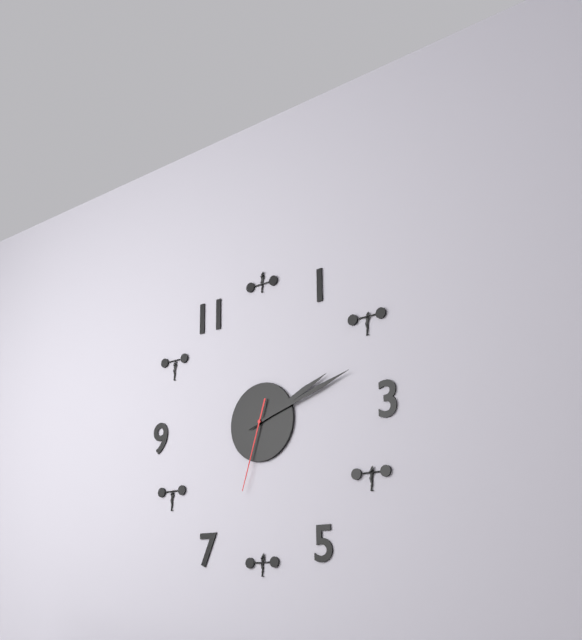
2:12:33
